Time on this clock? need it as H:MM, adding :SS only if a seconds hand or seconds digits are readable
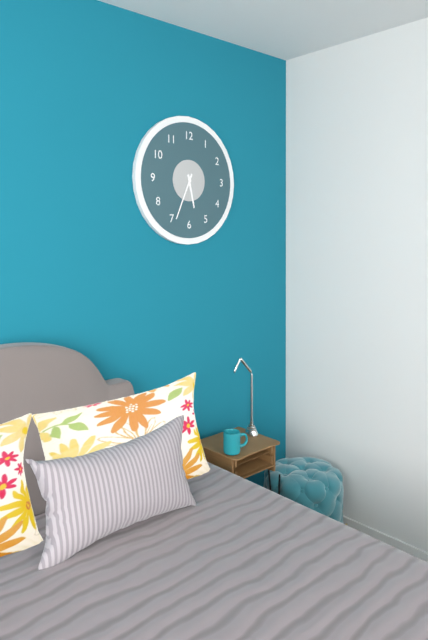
5:34
